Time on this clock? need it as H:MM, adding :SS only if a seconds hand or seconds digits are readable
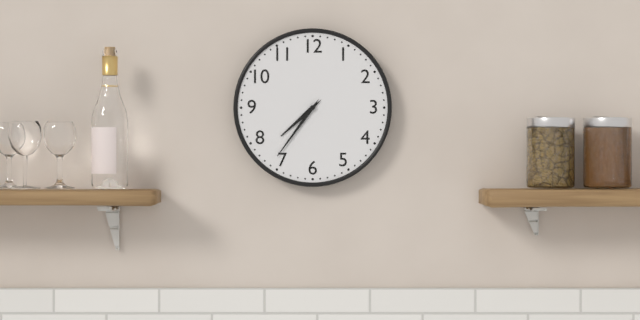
7:36
